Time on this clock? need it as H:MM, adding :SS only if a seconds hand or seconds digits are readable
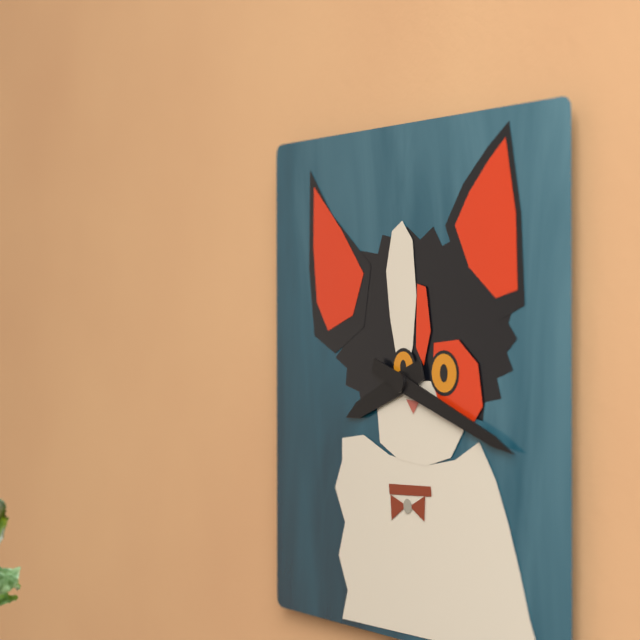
8:18
